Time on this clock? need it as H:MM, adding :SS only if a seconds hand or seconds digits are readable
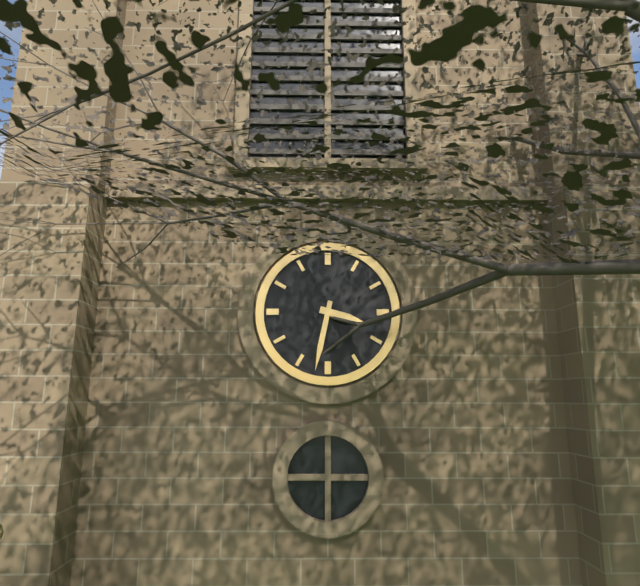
3:32
